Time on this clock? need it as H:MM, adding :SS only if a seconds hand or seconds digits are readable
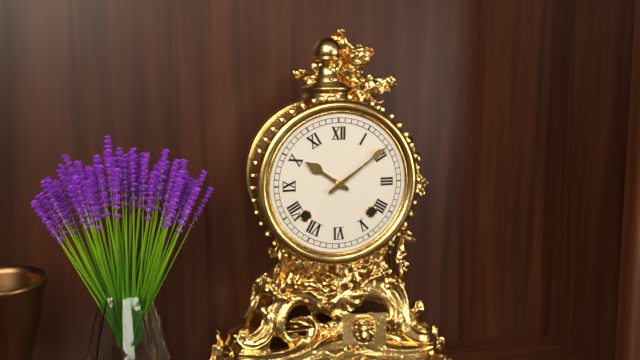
10:09
